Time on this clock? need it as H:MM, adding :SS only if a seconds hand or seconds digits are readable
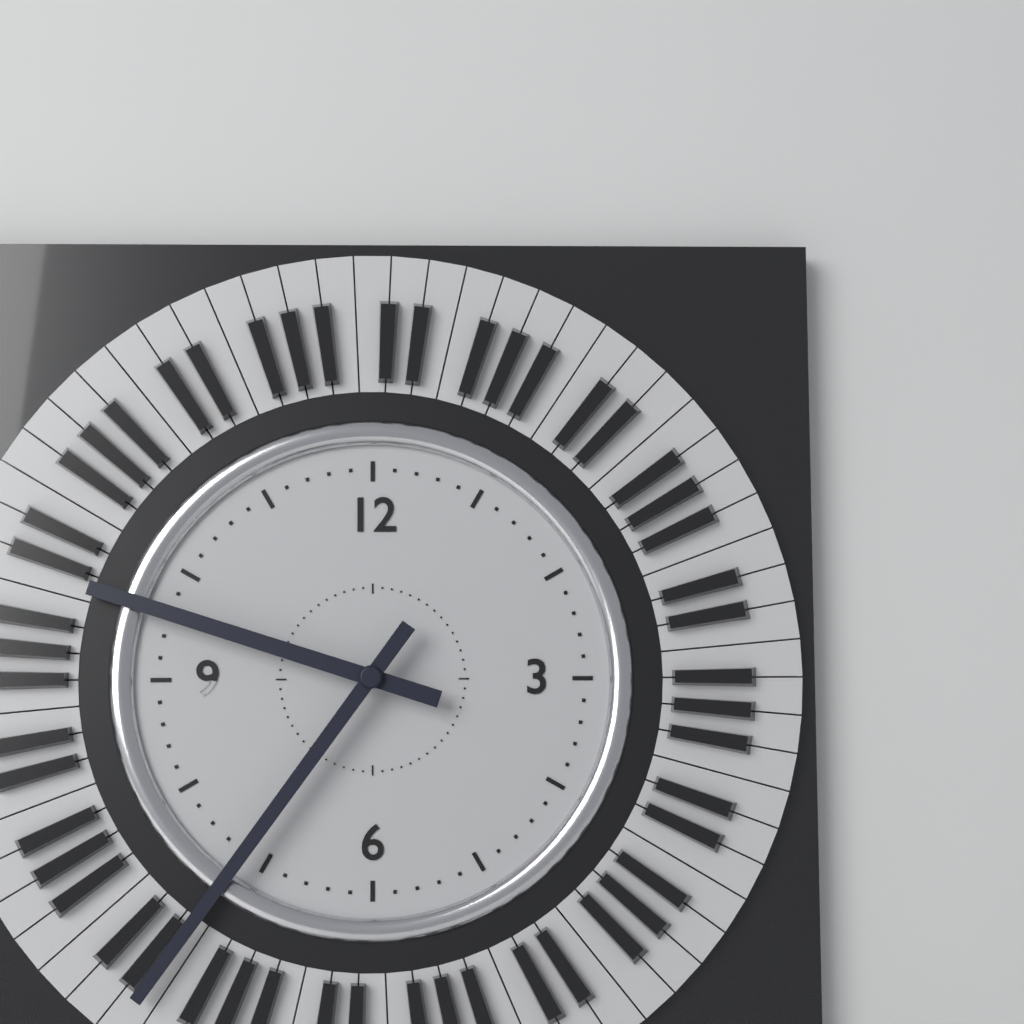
9:36
